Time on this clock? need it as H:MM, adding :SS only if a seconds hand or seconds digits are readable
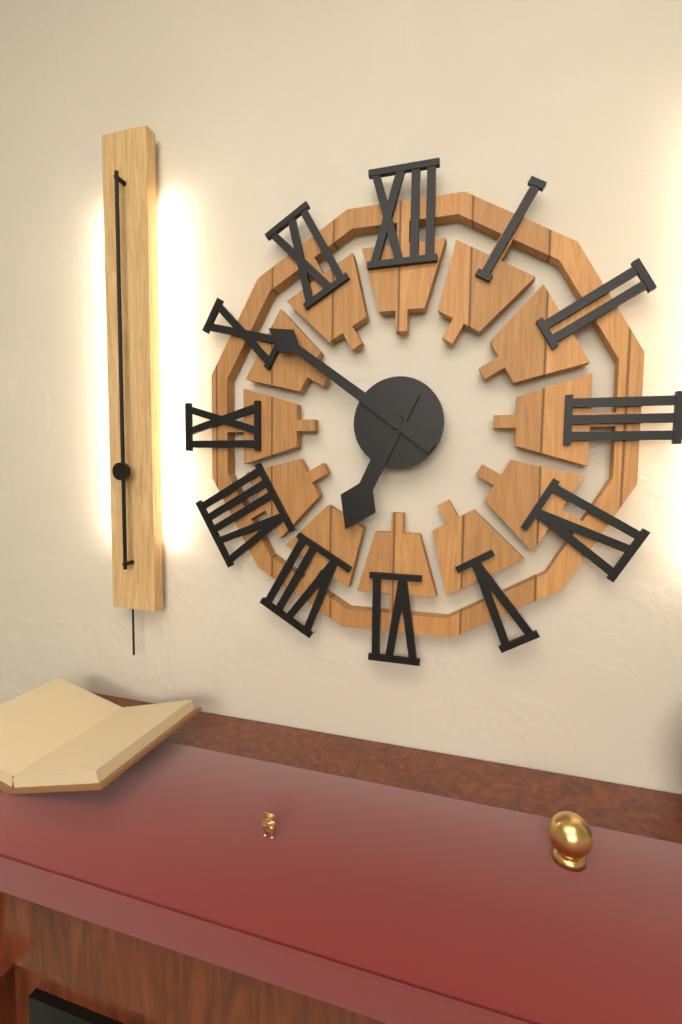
6:51
